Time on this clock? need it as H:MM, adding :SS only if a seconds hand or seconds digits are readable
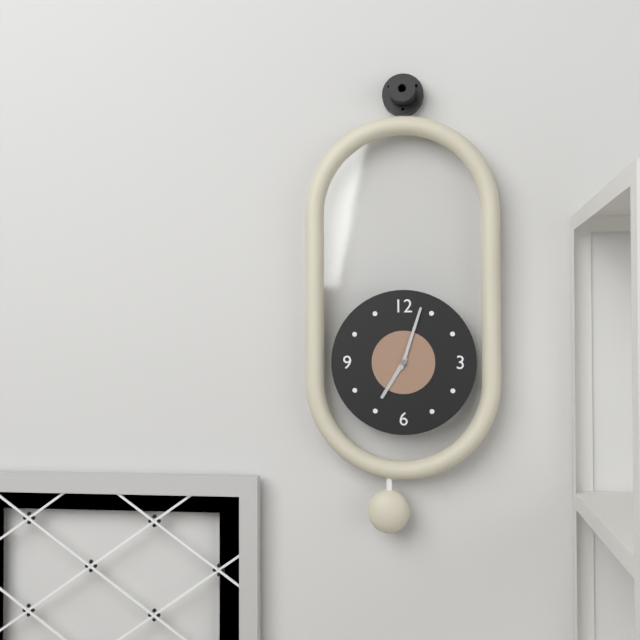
7:03
